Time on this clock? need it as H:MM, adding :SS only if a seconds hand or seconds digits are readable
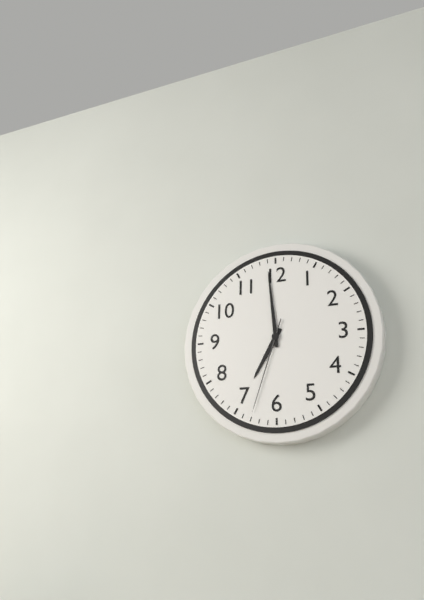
6:59:33
